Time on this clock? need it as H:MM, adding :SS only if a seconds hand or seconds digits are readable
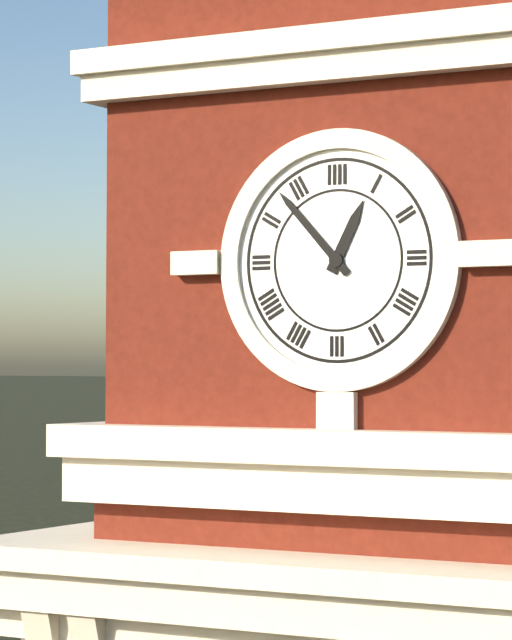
12:53
